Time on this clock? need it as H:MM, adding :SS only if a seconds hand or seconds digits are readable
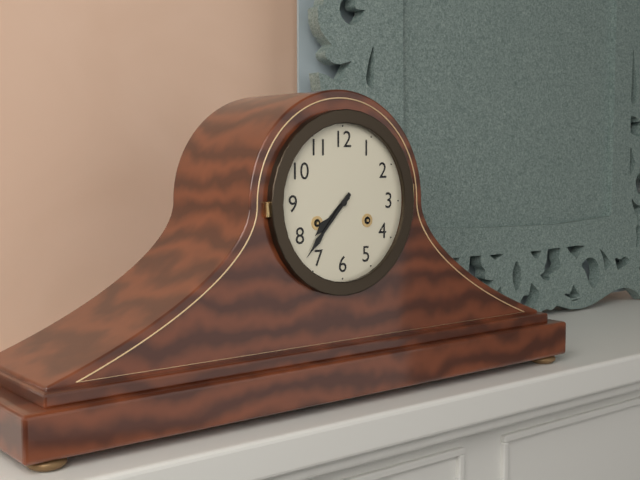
7:37
